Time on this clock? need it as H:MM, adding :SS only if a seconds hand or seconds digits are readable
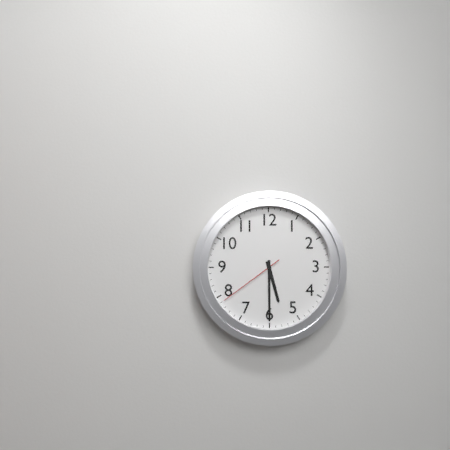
5:30:39
